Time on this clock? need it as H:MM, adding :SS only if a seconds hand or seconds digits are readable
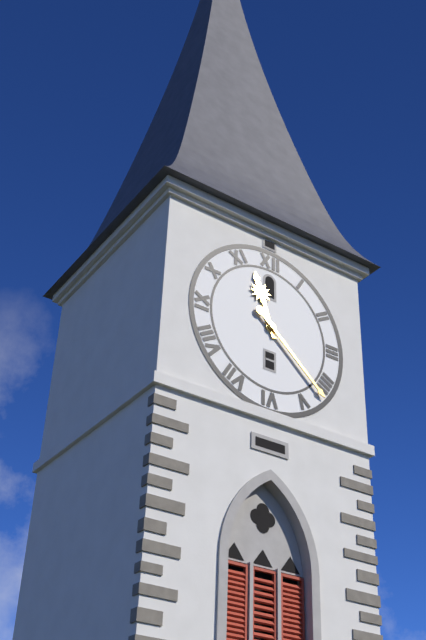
11:22
